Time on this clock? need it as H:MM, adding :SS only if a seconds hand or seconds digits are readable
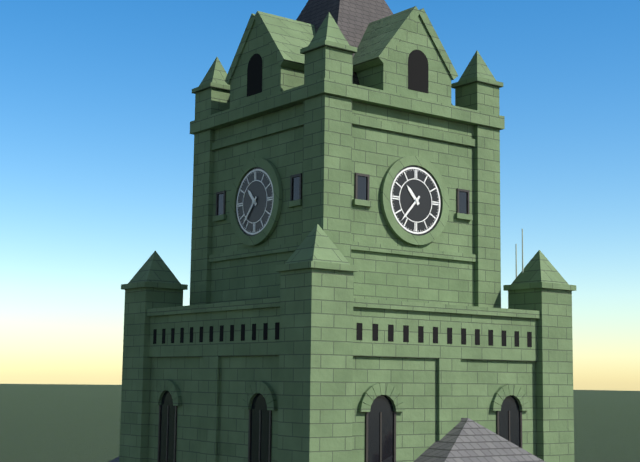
10:37
